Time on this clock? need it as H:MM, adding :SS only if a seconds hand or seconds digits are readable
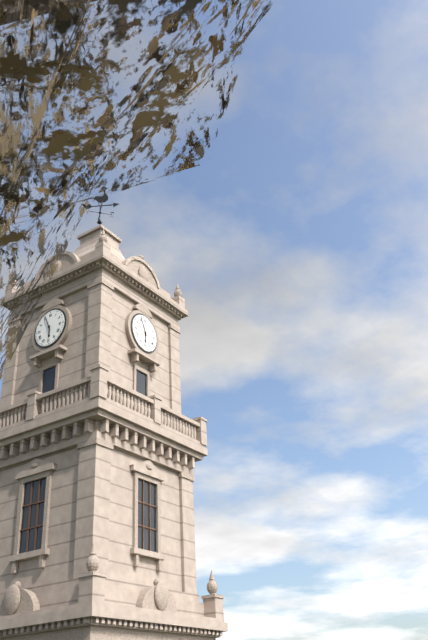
5:56
